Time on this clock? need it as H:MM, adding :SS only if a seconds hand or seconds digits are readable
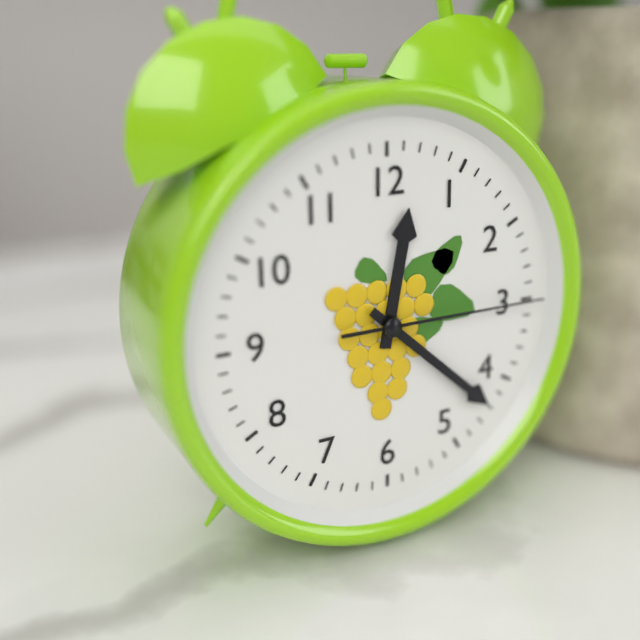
12:22:15
